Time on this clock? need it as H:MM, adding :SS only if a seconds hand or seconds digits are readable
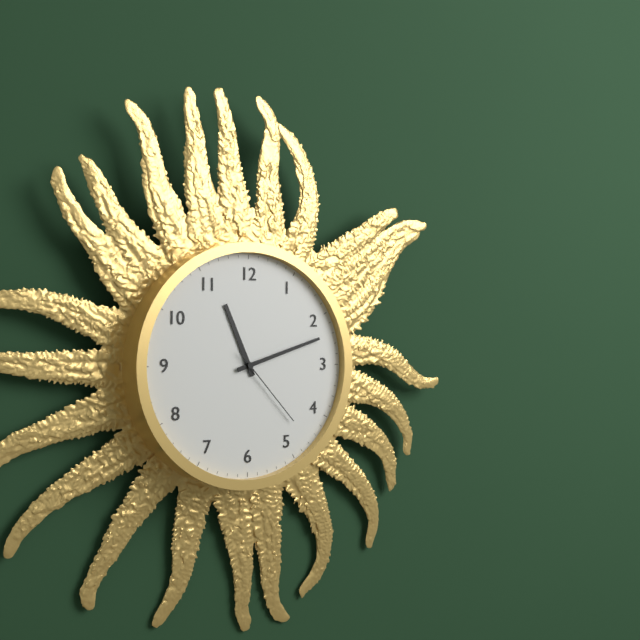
11:12:23
